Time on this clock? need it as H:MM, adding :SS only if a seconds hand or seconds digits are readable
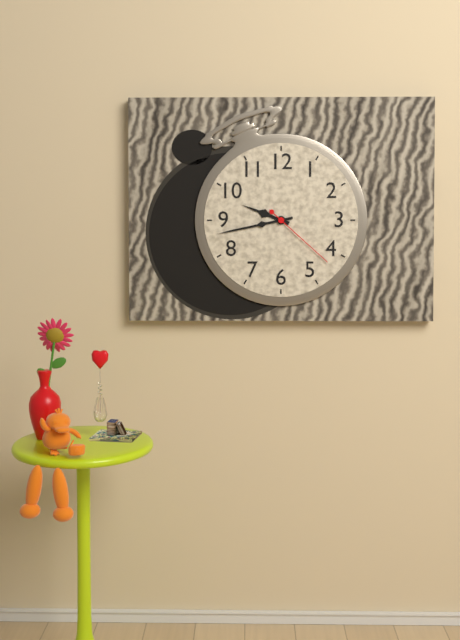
9:43:22
